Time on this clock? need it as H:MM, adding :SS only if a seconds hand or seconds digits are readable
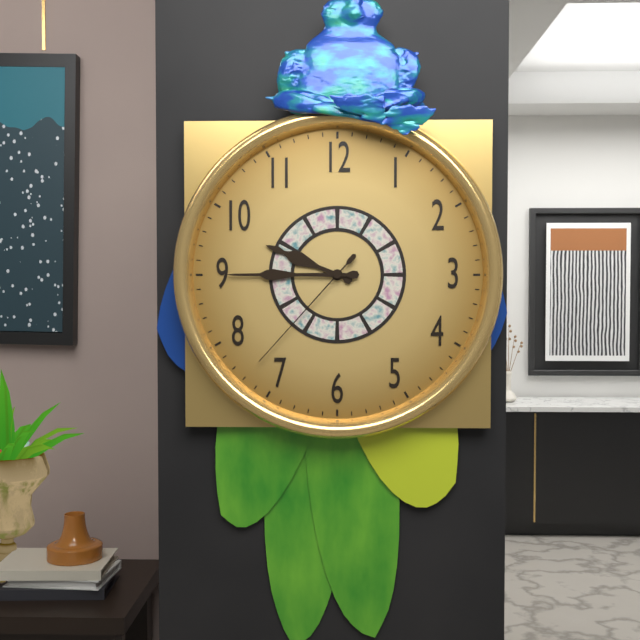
9:45:37
